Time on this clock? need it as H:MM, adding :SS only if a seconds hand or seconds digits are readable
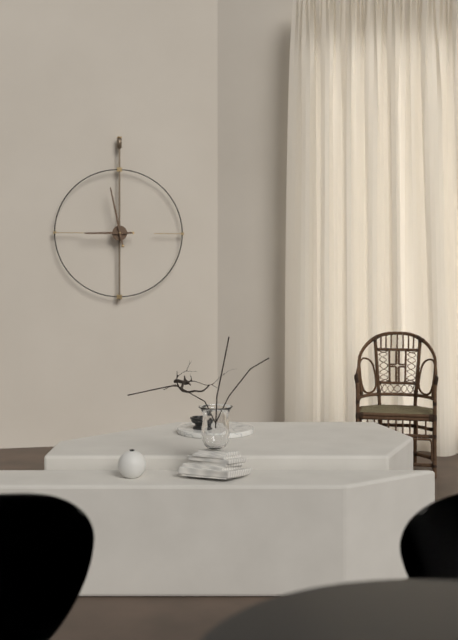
8:58
